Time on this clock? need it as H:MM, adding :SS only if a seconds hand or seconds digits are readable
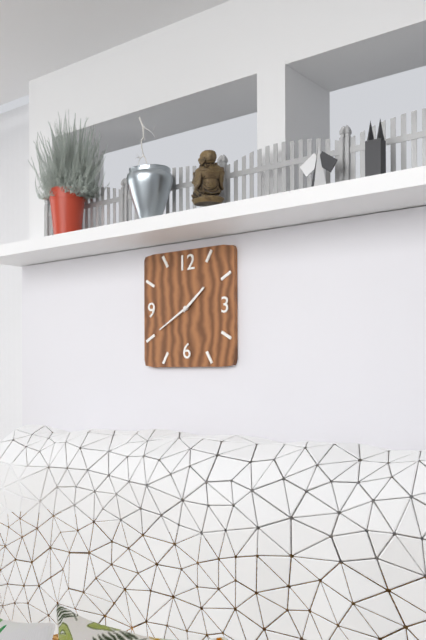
1:40
